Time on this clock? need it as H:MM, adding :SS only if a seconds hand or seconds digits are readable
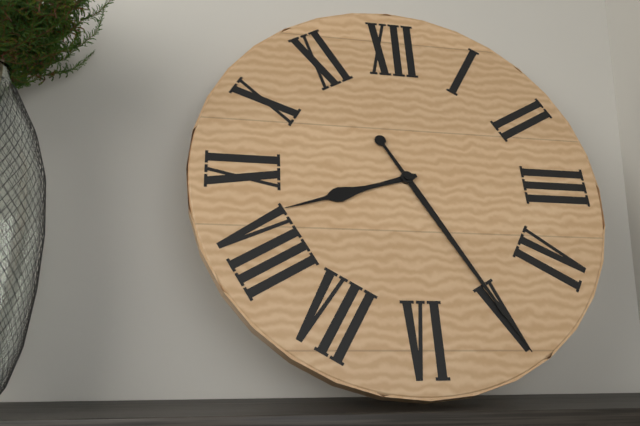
8:25
